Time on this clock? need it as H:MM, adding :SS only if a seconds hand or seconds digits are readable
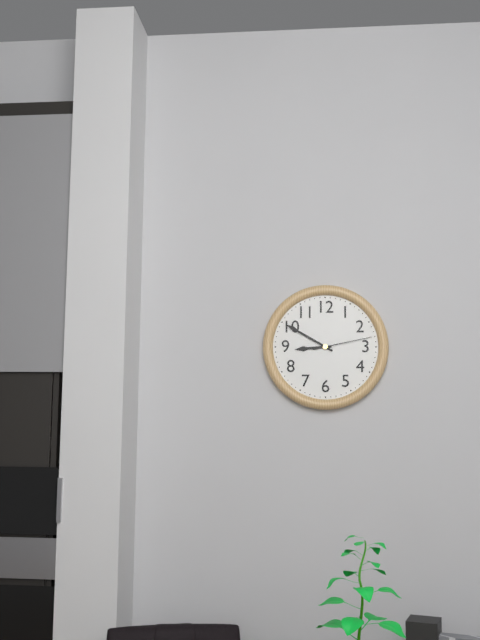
8:50:13
